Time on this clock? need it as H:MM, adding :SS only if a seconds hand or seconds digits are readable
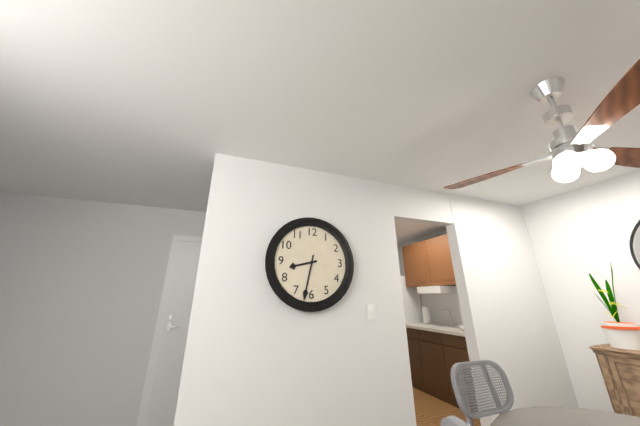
8:32
